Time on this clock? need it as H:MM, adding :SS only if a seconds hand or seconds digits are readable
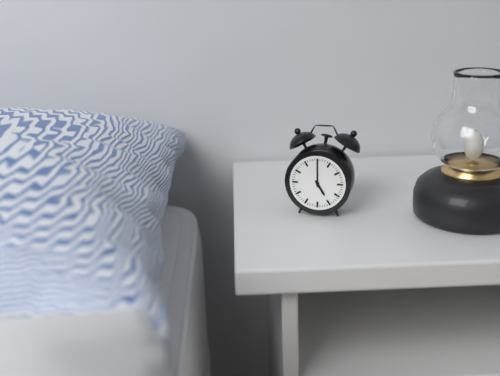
5:00
